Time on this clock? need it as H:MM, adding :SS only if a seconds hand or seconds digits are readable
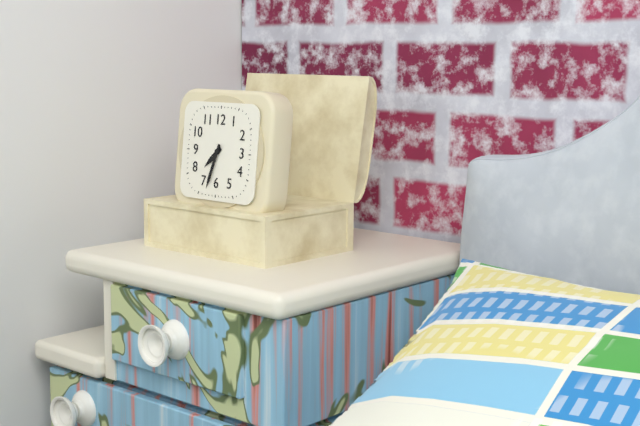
7:33
